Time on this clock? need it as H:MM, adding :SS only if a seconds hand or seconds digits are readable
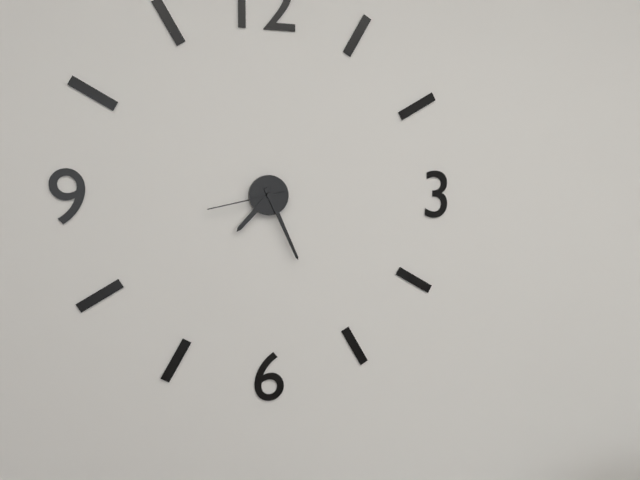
7:26:43
